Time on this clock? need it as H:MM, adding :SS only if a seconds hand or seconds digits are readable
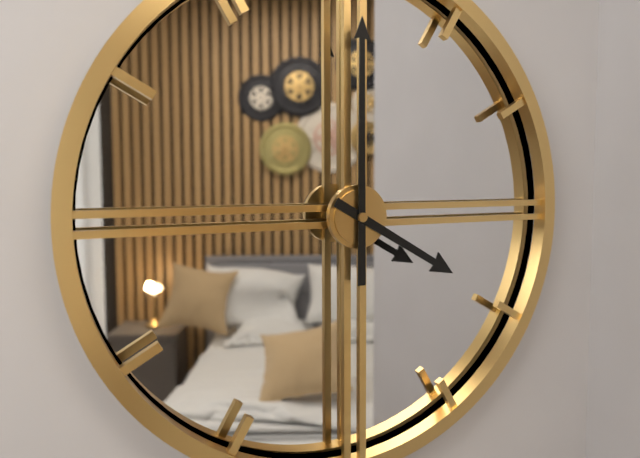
4:00
